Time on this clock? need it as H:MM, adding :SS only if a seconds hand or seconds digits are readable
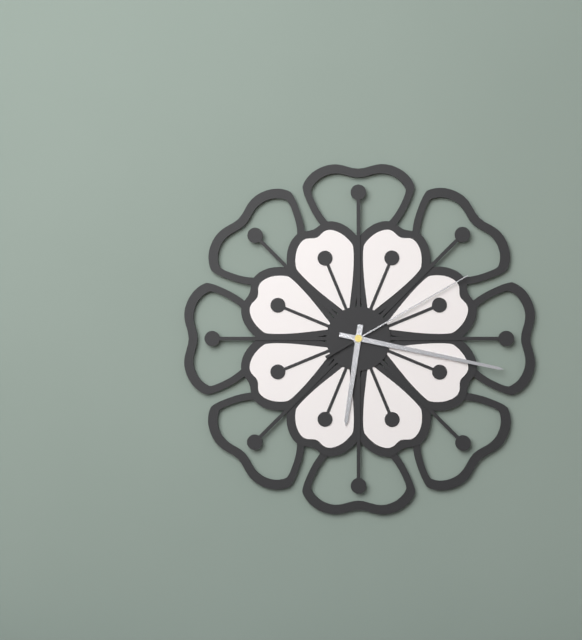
6:17:10
